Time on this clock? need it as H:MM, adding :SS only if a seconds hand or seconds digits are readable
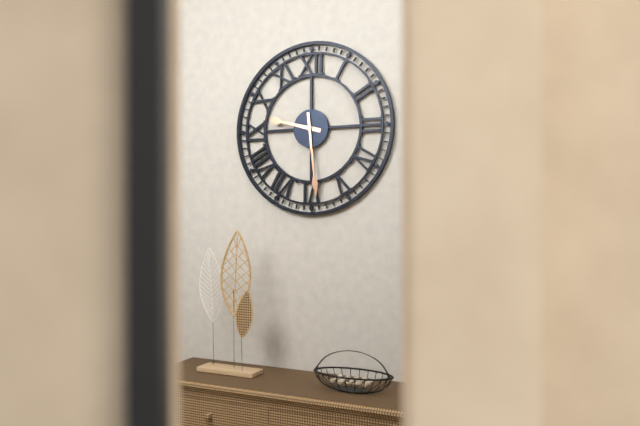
9:29
